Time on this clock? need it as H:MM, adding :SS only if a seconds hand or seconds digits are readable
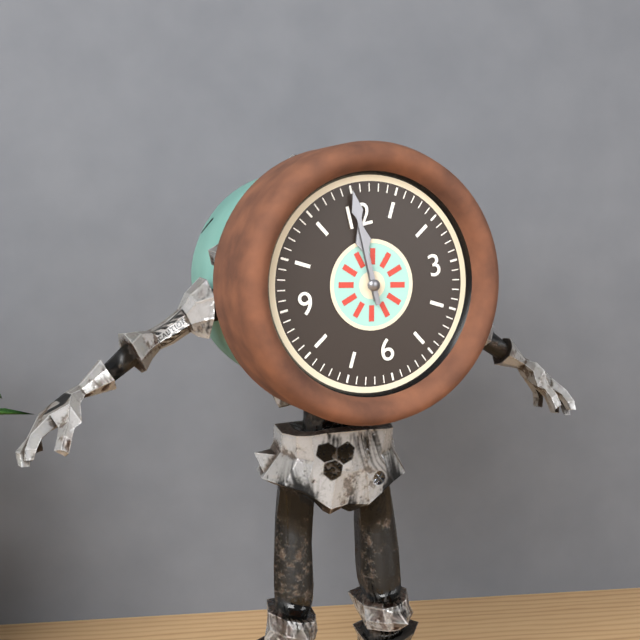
12:00
